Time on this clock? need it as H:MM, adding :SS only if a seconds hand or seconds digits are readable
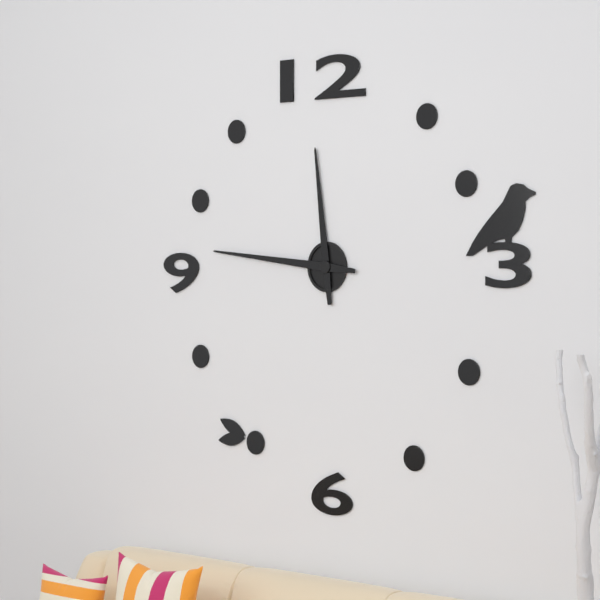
11:46
